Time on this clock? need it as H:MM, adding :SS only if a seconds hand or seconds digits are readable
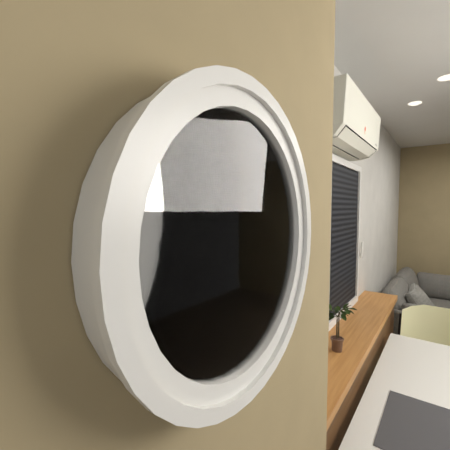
11:25
